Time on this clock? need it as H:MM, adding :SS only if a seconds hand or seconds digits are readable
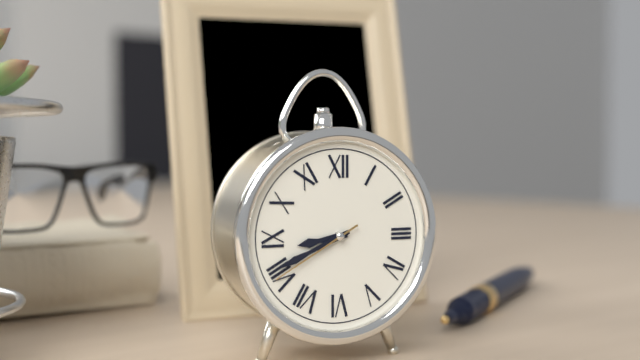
8:41:40
